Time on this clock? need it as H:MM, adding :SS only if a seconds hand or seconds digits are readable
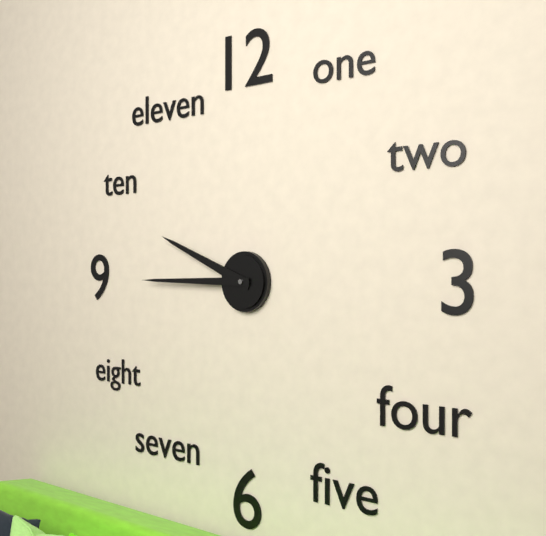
9:45
